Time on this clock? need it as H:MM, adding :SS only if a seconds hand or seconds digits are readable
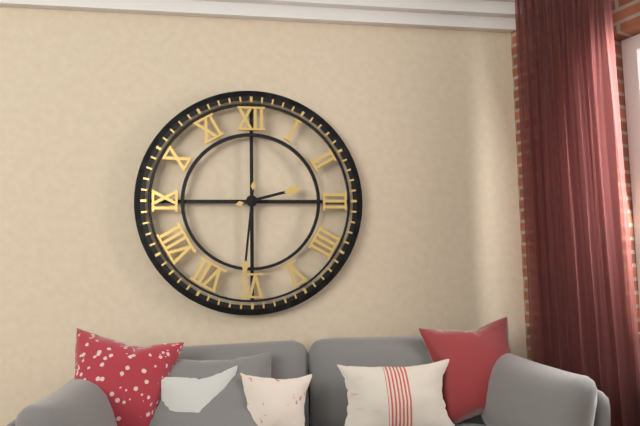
2:31
